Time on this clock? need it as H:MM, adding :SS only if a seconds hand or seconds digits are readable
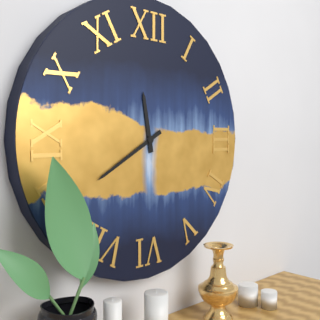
11:40
